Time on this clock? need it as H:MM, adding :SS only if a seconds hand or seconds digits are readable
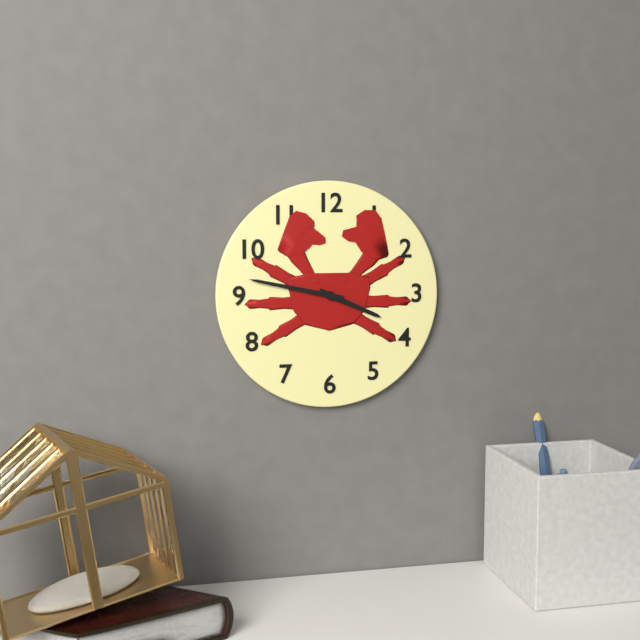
3:47
